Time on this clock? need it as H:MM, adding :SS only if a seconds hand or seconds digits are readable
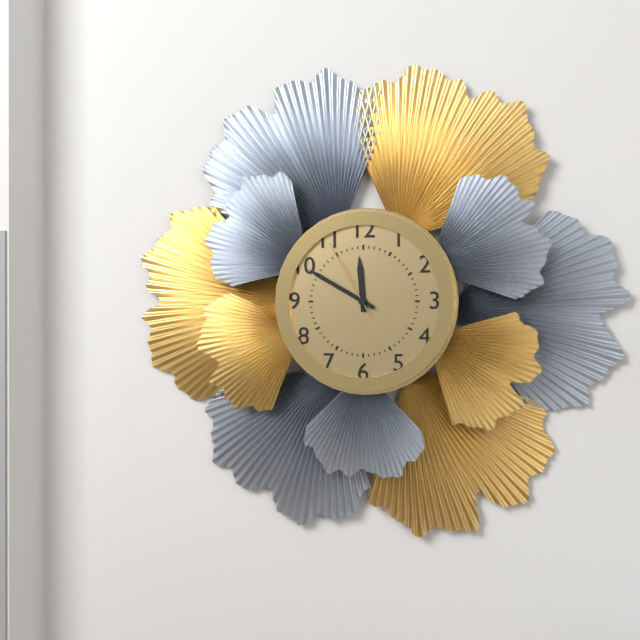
11:50:55
